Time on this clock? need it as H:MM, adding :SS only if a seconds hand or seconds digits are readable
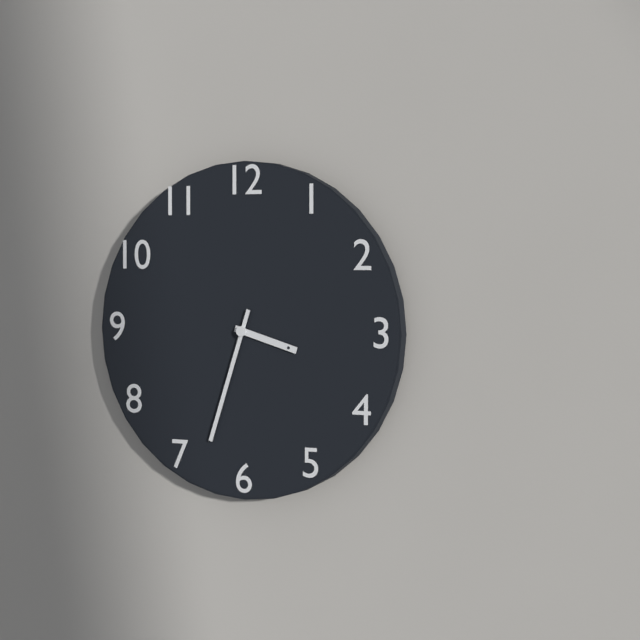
3:33
